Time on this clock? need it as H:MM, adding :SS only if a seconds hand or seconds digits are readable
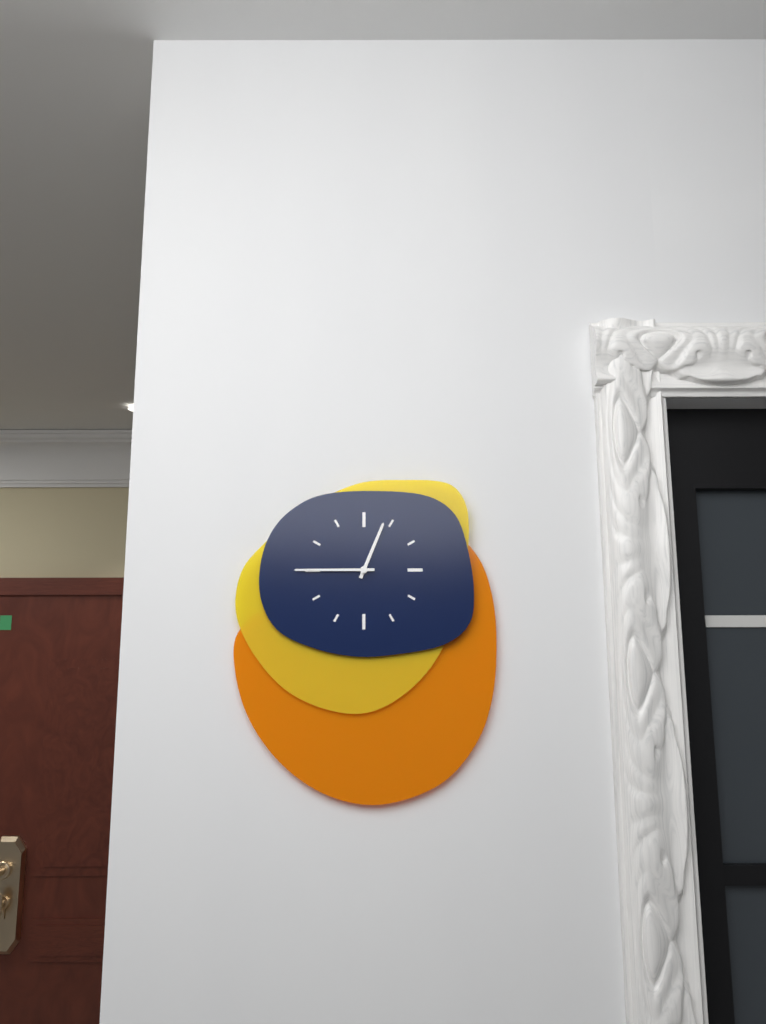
12:45
